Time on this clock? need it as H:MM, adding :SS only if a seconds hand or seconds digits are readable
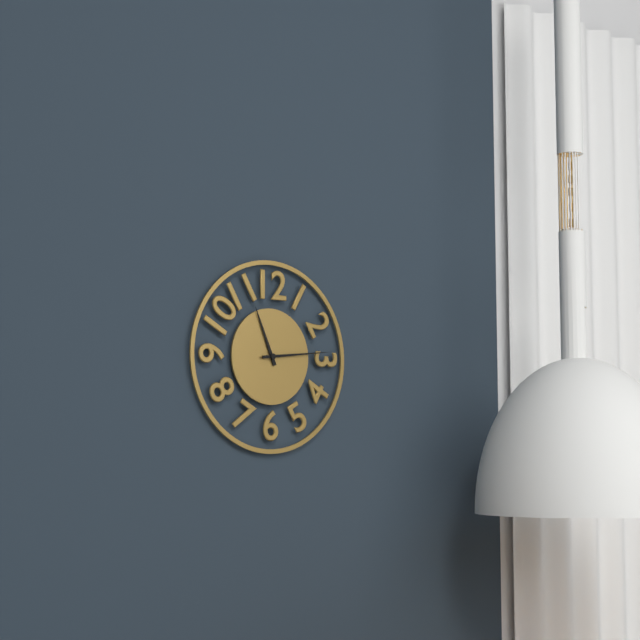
11:14
